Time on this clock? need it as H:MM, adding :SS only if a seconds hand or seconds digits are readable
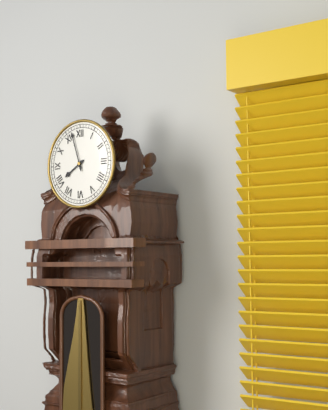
7:57
